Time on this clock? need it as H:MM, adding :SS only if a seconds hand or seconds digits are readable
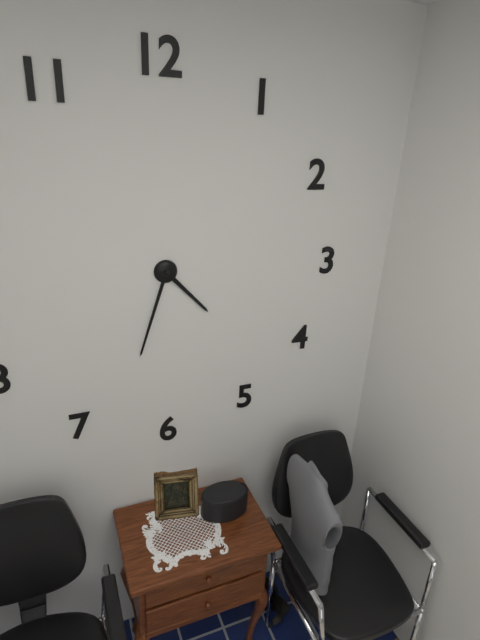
4:33
